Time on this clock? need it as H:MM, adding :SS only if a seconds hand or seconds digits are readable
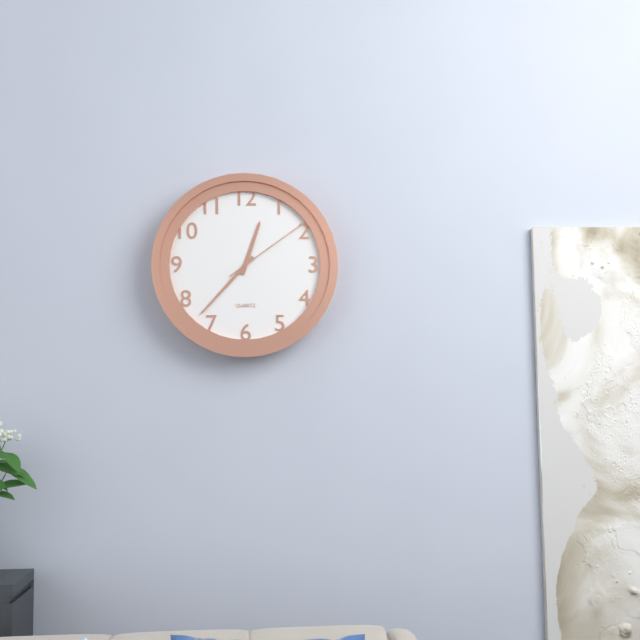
12:37:09
